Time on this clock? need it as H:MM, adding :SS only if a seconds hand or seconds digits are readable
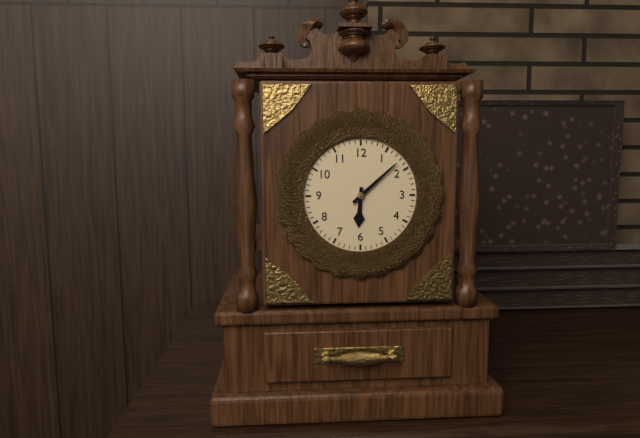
6:08
